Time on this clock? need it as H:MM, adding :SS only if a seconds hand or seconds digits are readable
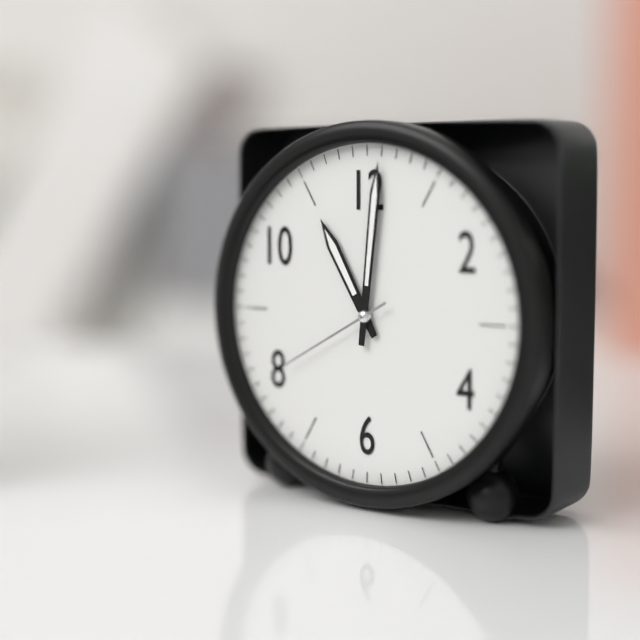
11:01:40
